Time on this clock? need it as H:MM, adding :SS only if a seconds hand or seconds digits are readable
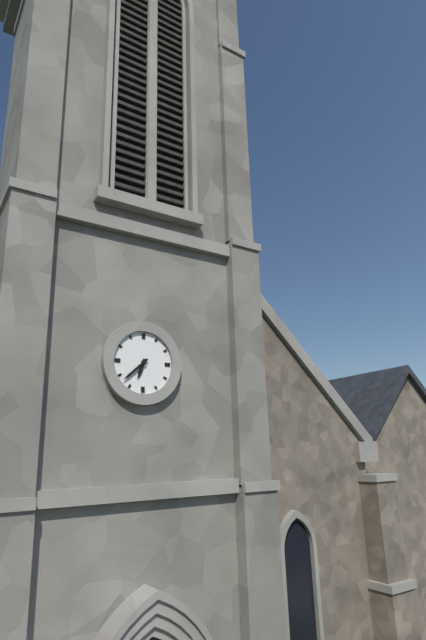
6:38
